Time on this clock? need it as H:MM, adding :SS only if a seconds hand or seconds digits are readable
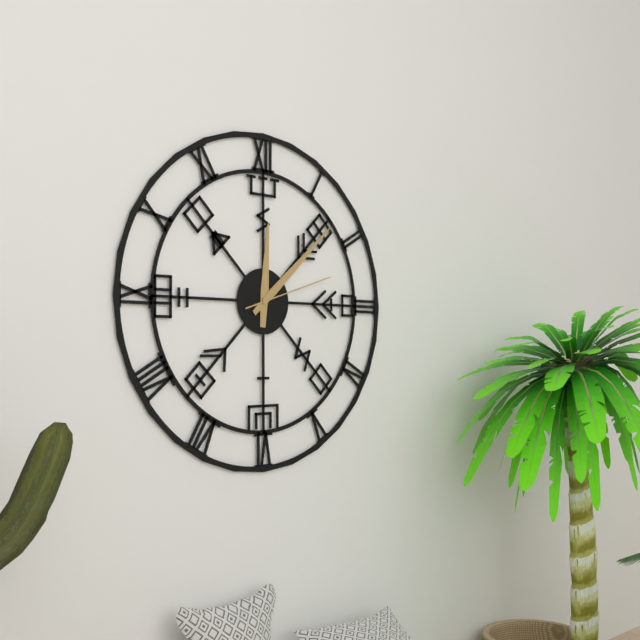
12:08:12
